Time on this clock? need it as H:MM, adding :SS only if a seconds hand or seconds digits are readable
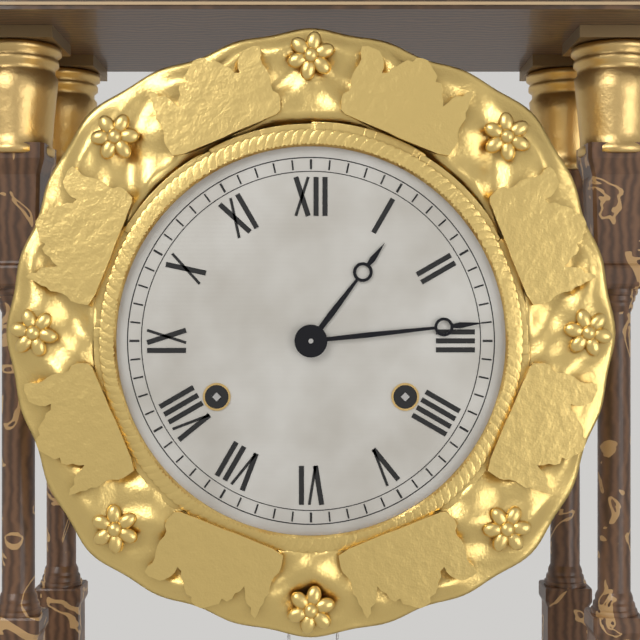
1:14
